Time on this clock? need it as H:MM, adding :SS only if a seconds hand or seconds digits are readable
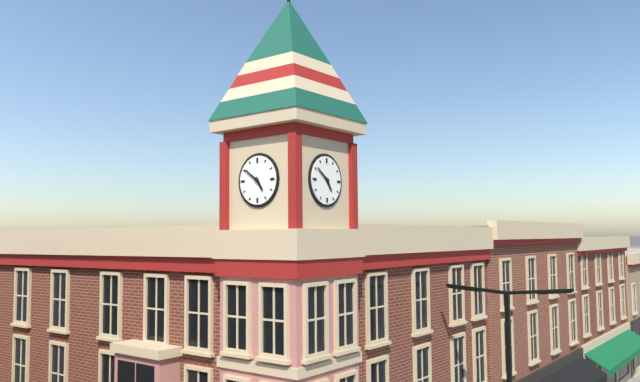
4:51
